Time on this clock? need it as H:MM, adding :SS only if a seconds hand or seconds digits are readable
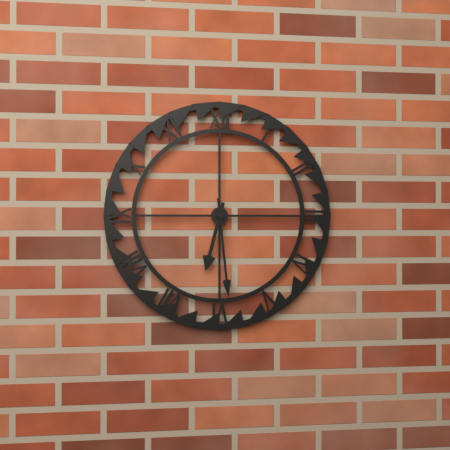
6:29
